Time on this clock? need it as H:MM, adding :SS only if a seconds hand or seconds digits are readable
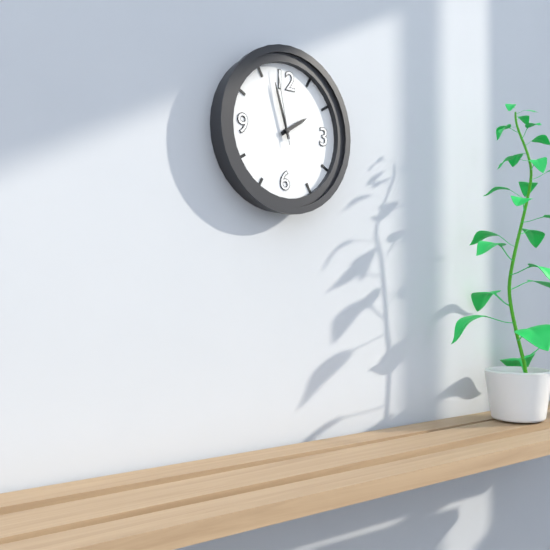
1:57:58
